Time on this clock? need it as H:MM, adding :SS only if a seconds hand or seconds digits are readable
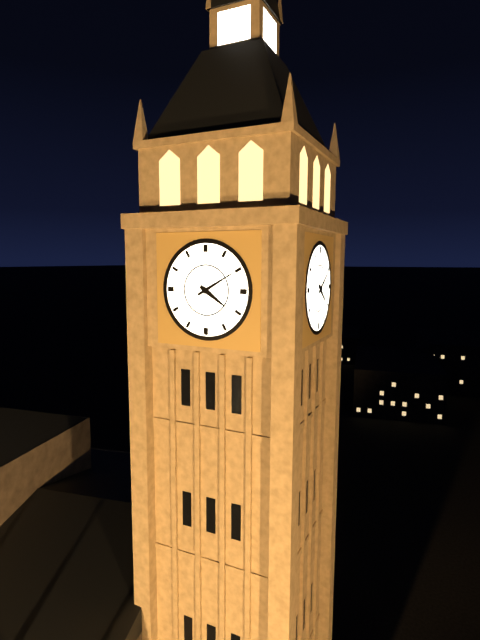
4:10
